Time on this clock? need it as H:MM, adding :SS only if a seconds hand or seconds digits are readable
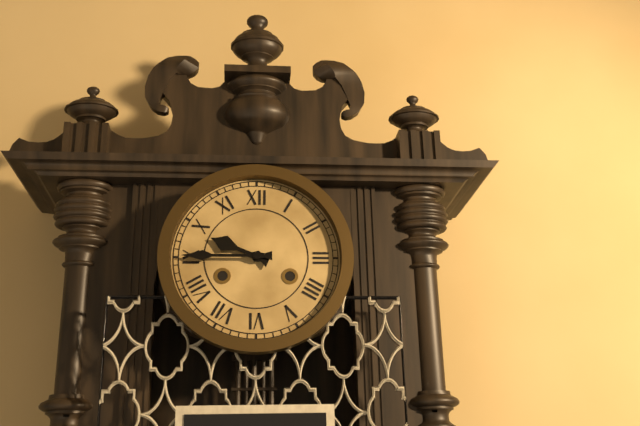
9:45
